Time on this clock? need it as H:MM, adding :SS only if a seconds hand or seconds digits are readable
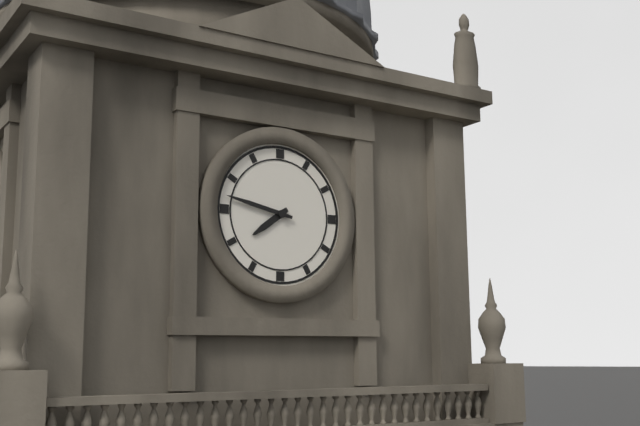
7:47
